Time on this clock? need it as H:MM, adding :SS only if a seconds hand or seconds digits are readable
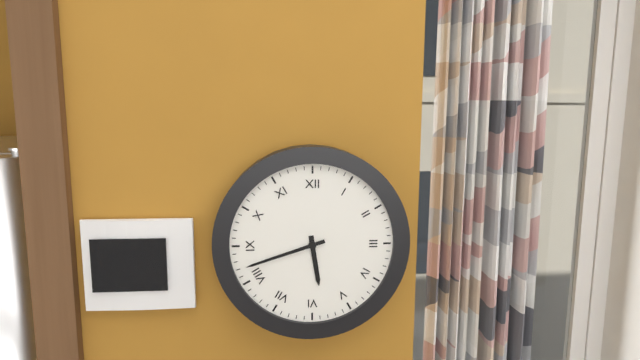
5:42
